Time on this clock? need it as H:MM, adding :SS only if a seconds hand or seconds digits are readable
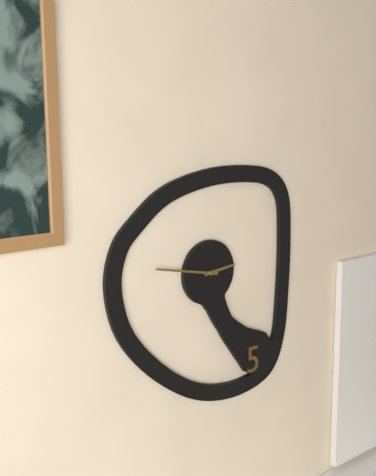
2:47
